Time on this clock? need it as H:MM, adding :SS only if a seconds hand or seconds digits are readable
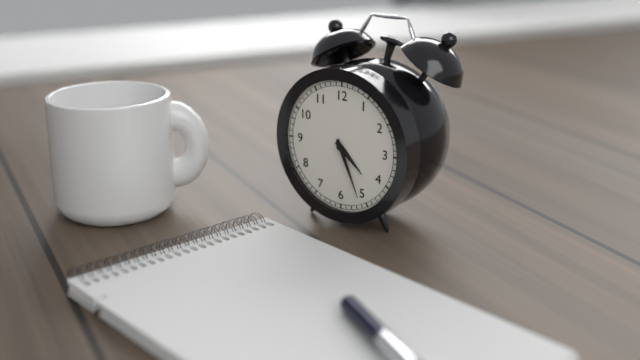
4:26
